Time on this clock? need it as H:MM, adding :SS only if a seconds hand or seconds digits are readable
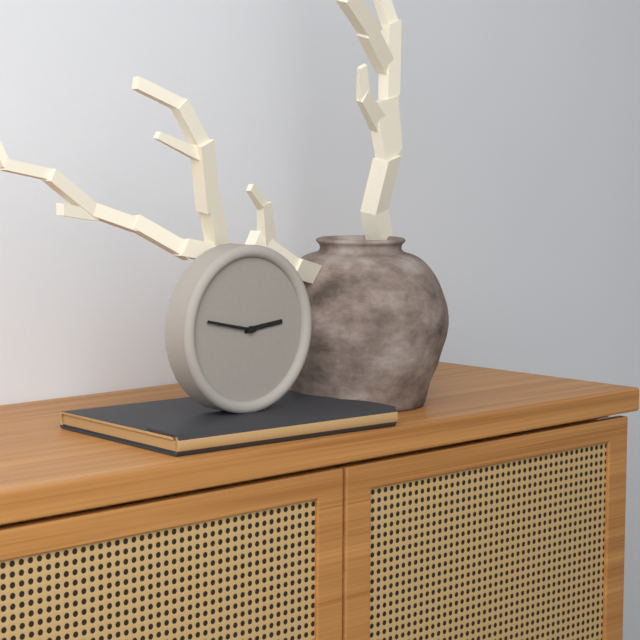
2:47
